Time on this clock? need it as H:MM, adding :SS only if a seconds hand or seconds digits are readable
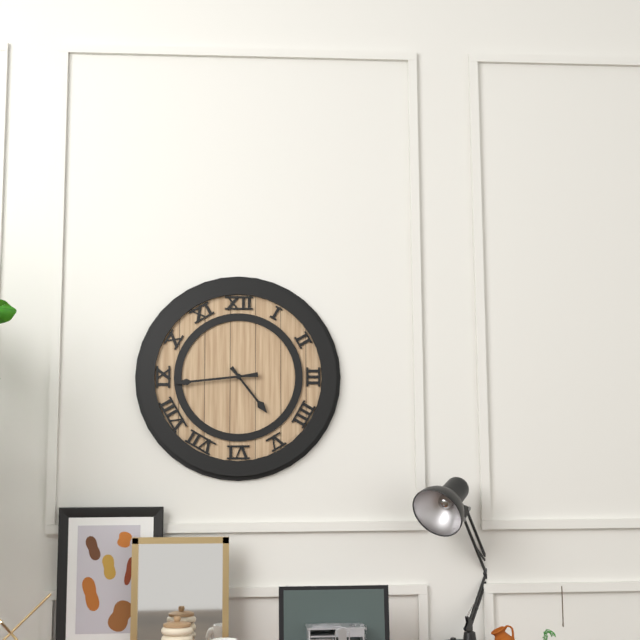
4:44
